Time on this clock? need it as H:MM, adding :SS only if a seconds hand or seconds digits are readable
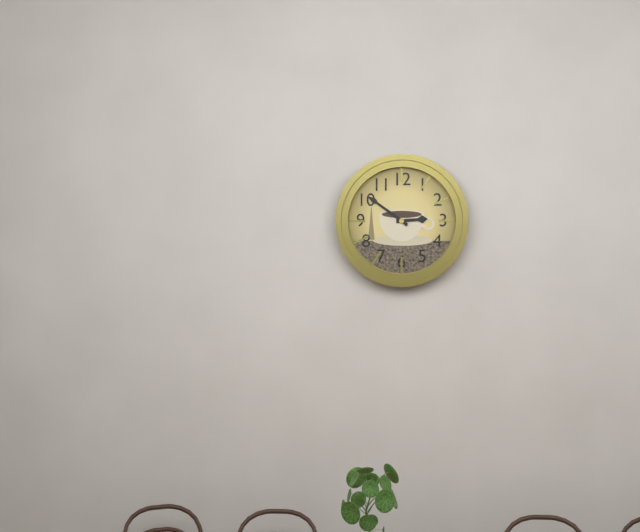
2:51
